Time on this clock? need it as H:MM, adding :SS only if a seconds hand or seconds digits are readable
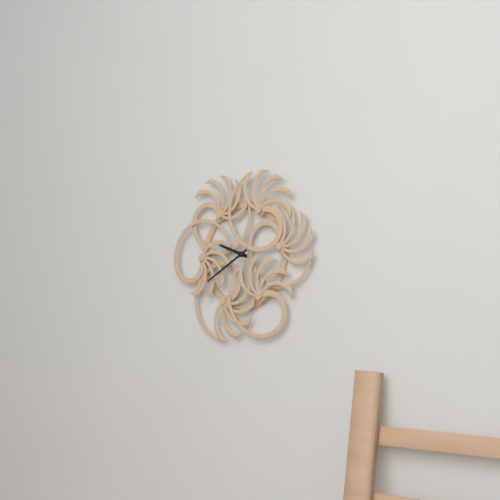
9:40
